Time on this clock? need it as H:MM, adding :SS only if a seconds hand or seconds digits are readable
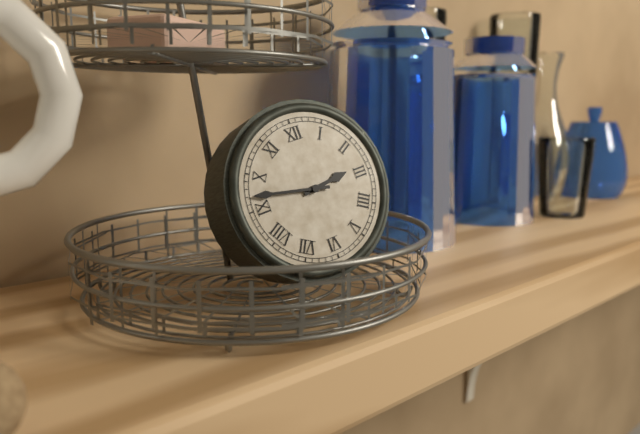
2:47
